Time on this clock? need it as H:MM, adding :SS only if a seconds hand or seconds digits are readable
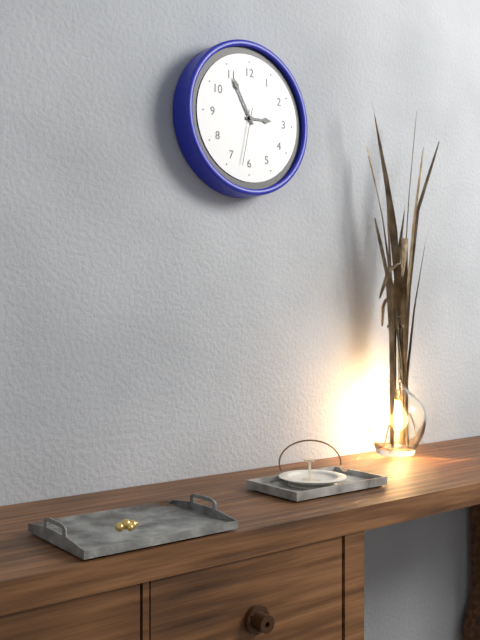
2:55:32
